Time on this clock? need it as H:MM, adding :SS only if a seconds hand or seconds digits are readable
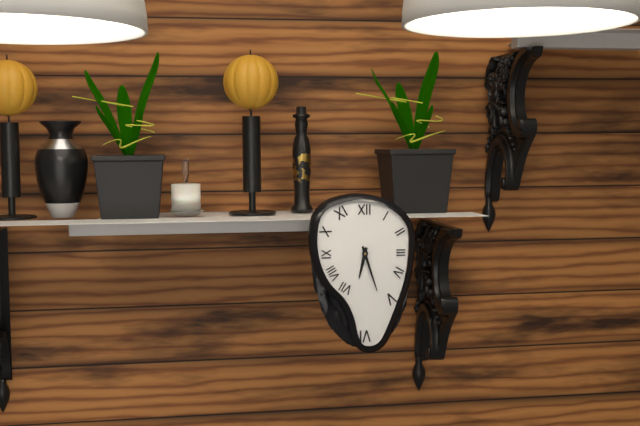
6:27
